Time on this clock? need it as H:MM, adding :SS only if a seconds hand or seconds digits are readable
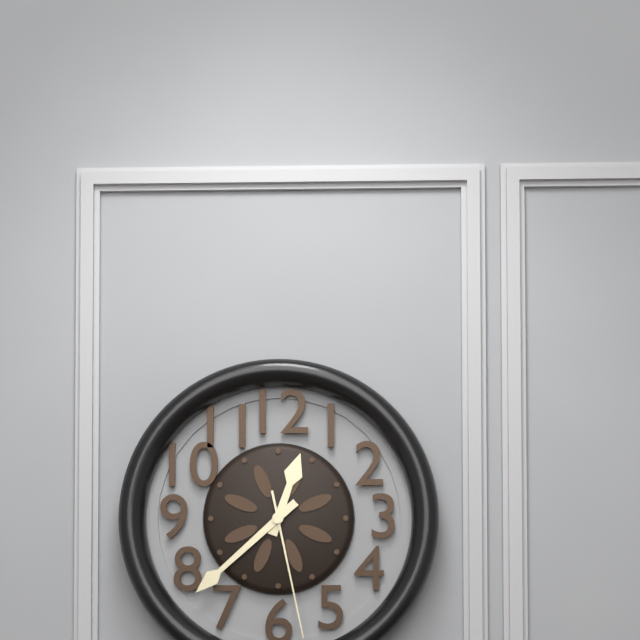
12:38:28
